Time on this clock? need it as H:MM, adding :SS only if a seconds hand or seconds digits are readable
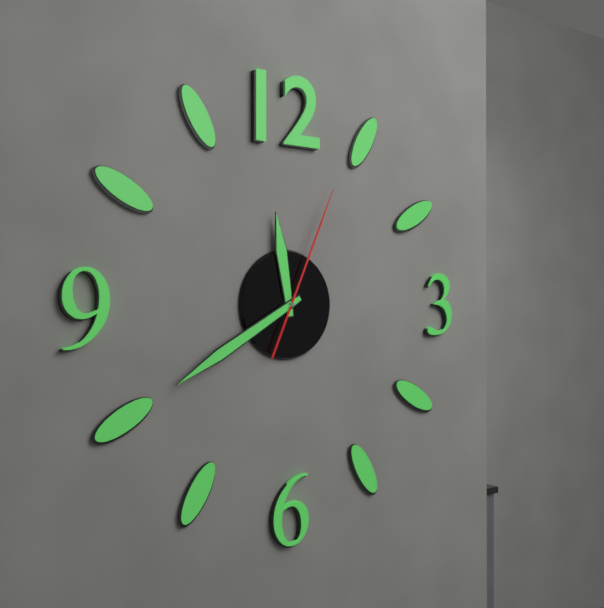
11:40:04
